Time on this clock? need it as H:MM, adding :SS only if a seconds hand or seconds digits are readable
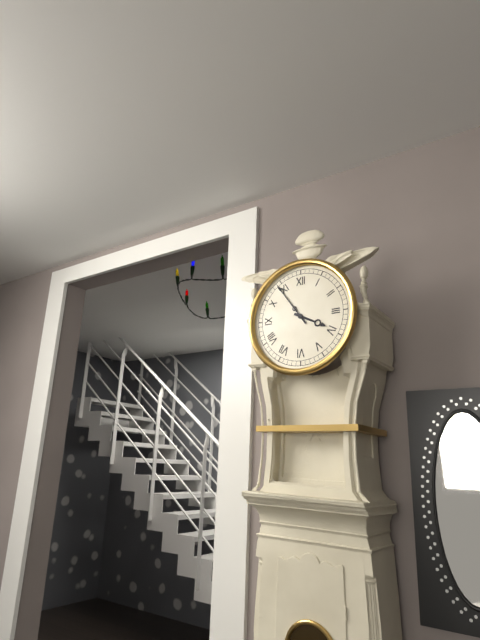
3:54
